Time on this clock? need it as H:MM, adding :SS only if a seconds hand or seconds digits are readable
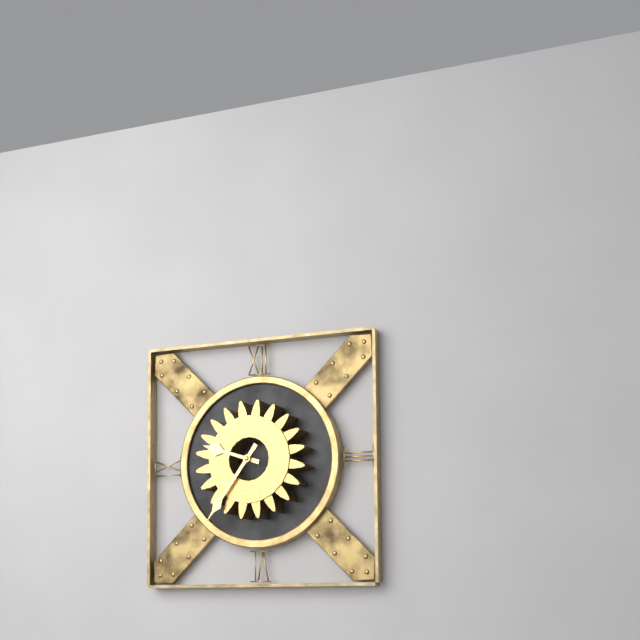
9:36
